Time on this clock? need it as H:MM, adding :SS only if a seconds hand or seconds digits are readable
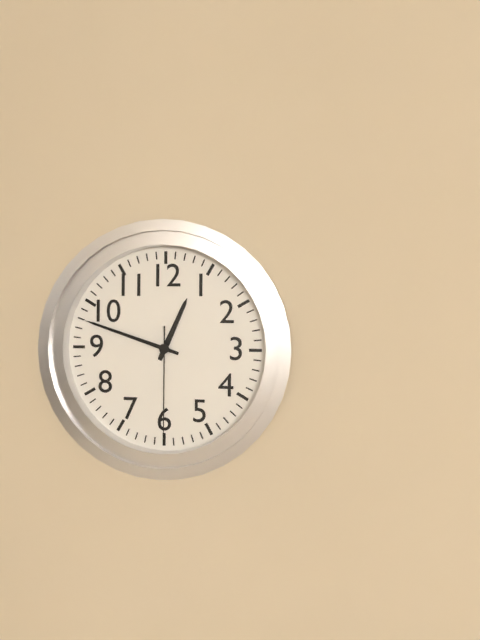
12:48:30
